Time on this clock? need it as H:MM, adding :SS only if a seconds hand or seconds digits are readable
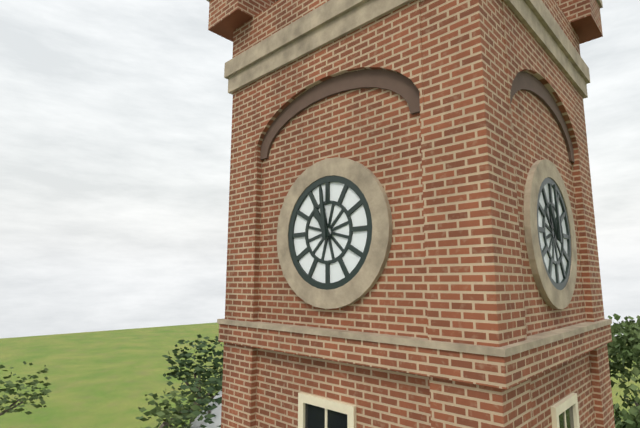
10:59
